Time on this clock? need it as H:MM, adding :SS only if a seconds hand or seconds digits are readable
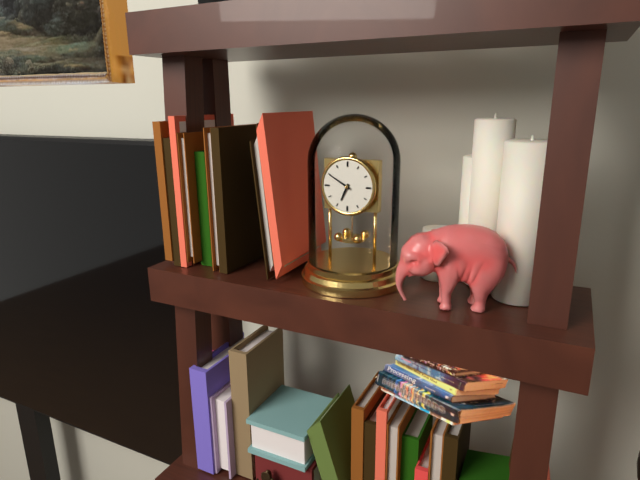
6:50
